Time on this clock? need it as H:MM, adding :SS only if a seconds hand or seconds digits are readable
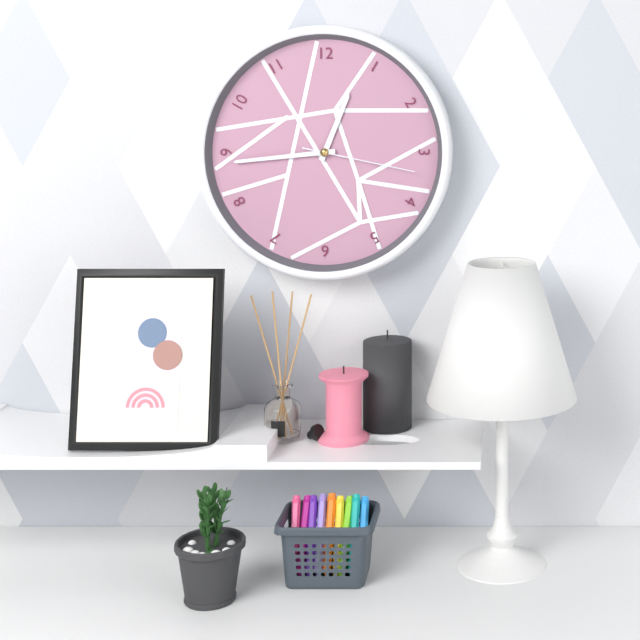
12:44:17
